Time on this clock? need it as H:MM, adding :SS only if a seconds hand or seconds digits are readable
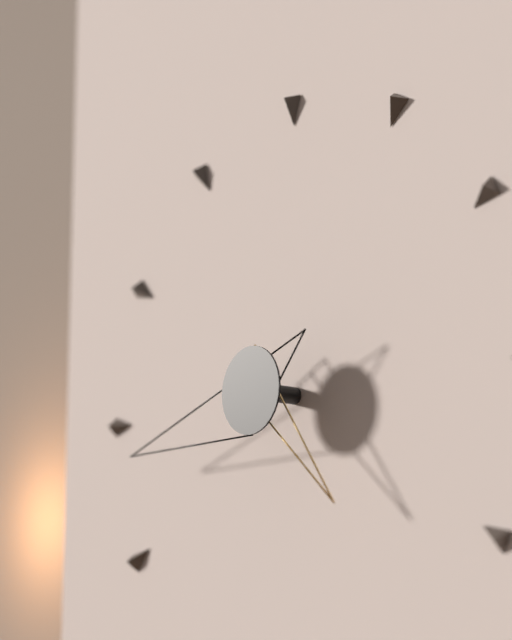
4:43
